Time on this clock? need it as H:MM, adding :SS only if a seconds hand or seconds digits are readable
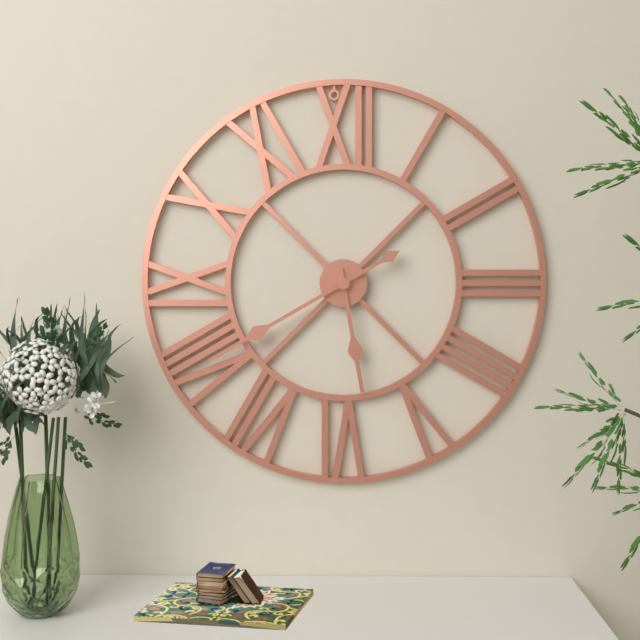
5:40
